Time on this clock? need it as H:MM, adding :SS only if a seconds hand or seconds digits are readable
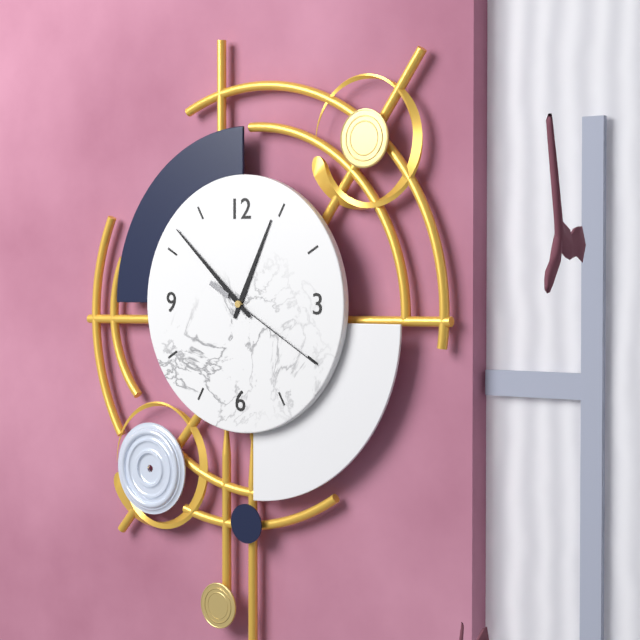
12:52:20
